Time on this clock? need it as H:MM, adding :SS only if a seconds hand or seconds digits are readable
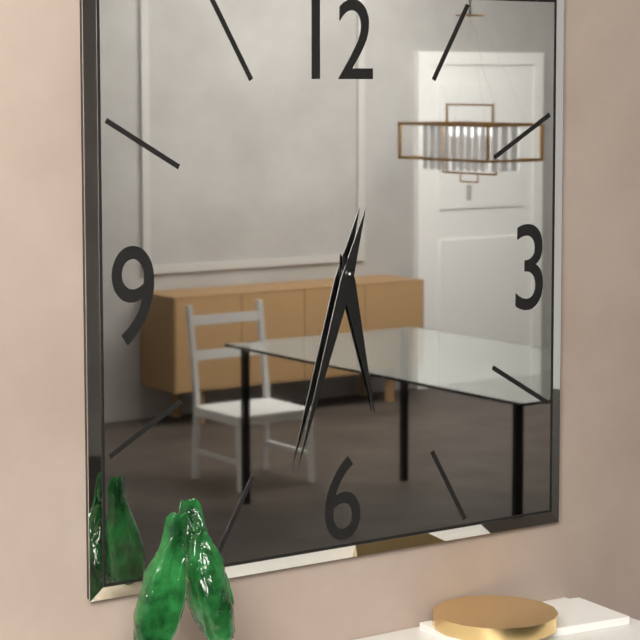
5:33
